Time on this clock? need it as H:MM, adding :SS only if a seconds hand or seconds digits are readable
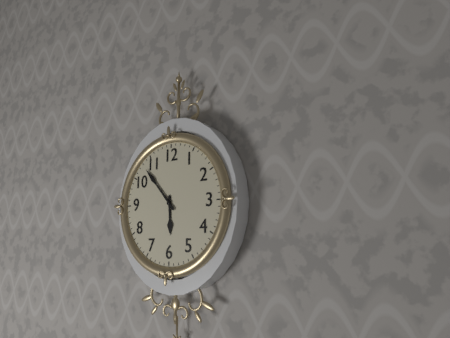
5:53
